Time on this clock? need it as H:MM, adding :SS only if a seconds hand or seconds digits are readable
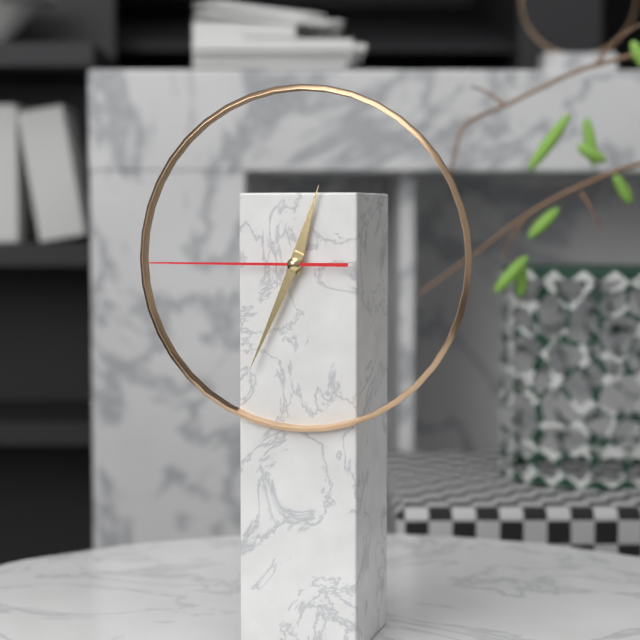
12:34:45
